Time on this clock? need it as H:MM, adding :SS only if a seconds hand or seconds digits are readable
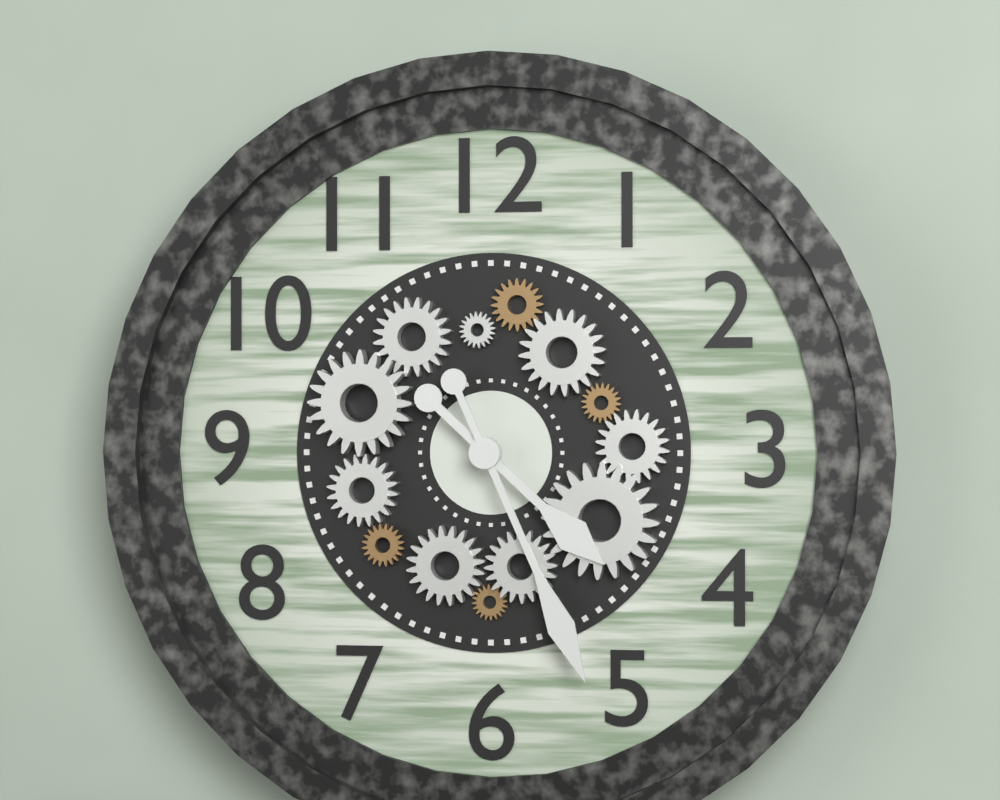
4:26
